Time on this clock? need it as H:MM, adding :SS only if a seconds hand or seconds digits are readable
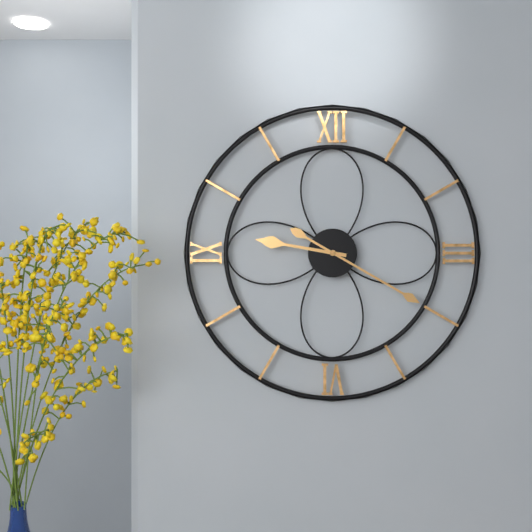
9:20
